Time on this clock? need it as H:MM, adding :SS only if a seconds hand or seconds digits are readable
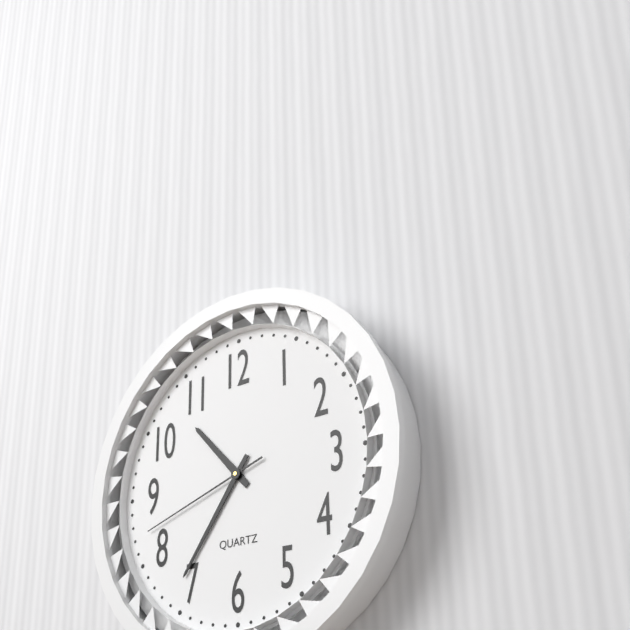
10:36:42
